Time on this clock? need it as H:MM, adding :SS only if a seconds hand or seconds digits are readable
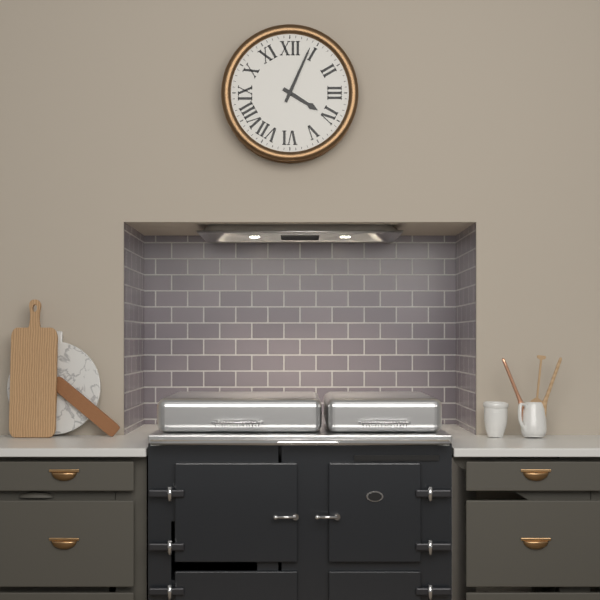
4:04
